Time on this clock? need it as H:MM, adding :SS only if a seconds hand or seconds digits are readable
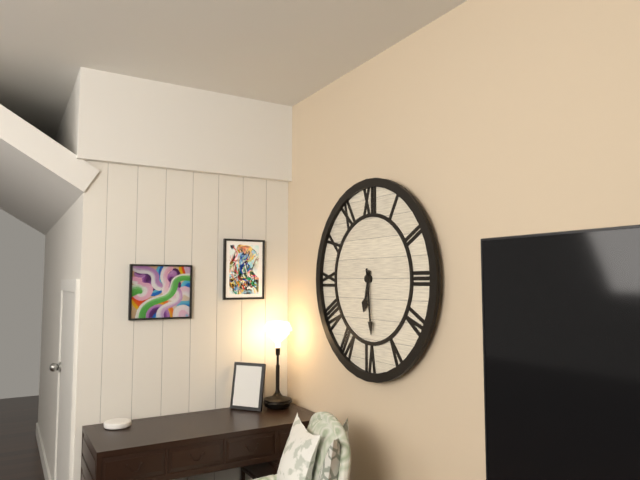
6:29
